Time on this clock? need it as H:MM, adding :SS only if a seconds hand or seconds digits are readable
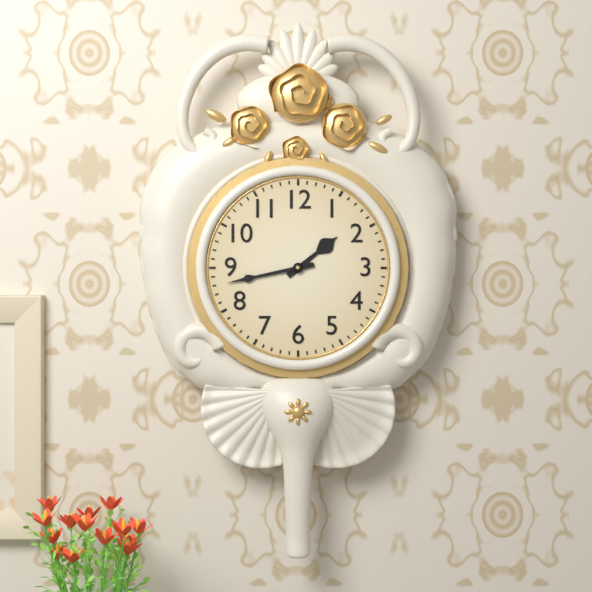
1:43
